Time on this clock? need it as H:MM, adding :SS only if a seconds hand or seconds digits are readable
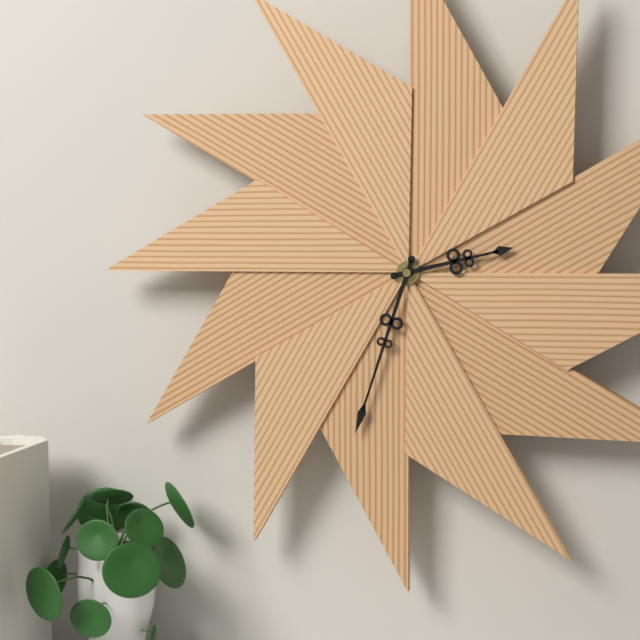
2:33
